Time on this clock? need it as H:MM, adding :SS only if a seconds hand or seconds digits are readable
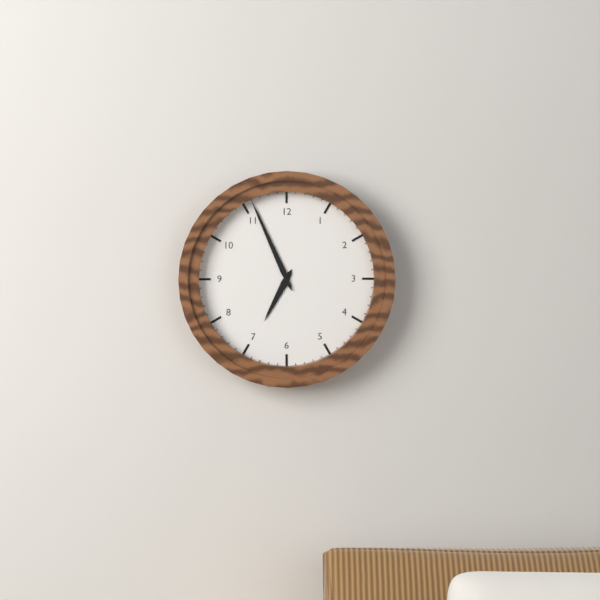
6:56
